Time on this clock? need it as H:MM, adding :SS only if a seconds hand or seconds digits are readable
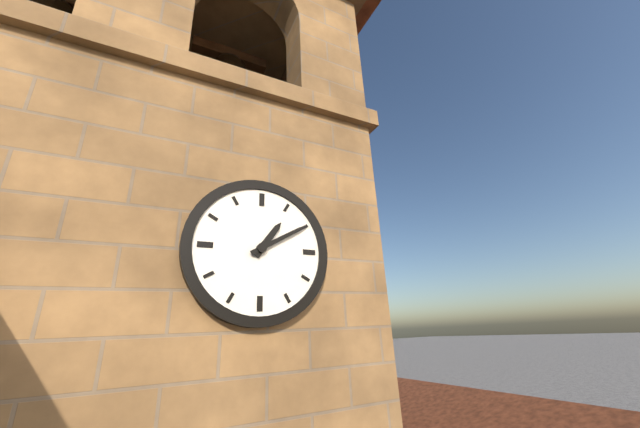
1:10
